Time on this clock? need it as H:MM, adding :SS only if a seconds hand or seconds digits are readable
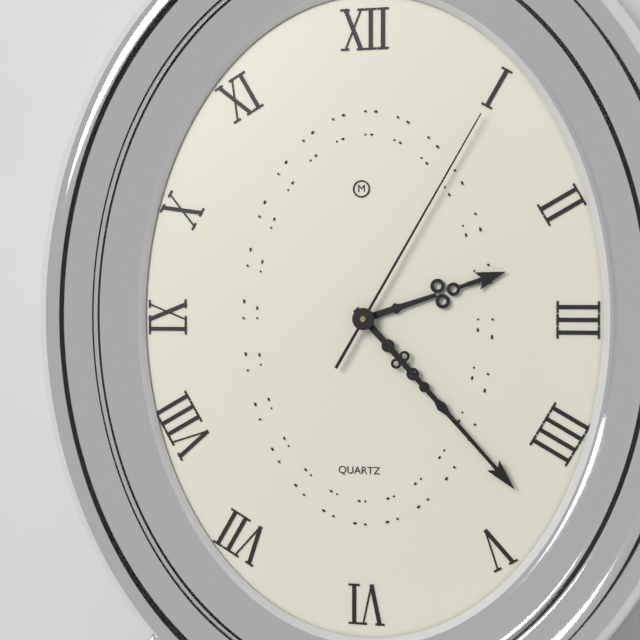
2:23:05
